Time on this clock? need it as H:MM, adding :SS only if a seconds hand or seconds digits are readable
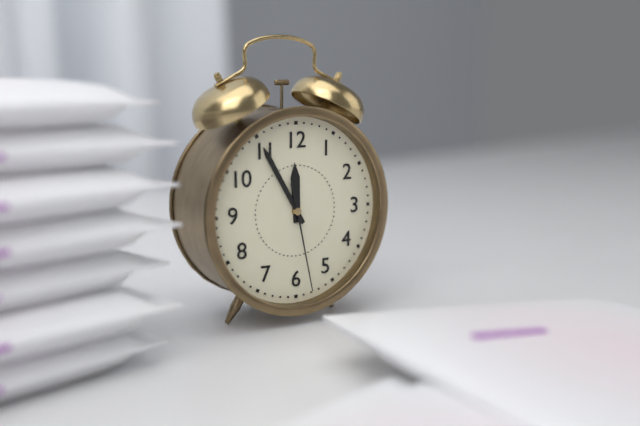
11:55:28
